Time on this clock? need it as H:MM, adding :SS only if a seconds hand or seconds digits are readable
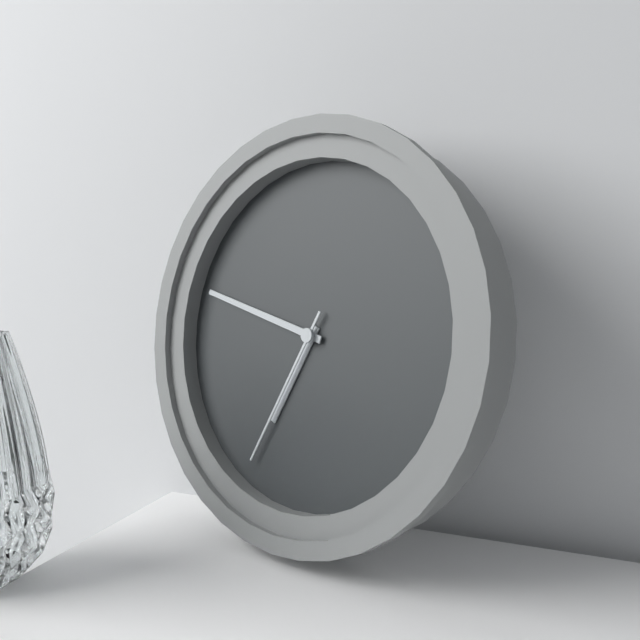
6:47:34
